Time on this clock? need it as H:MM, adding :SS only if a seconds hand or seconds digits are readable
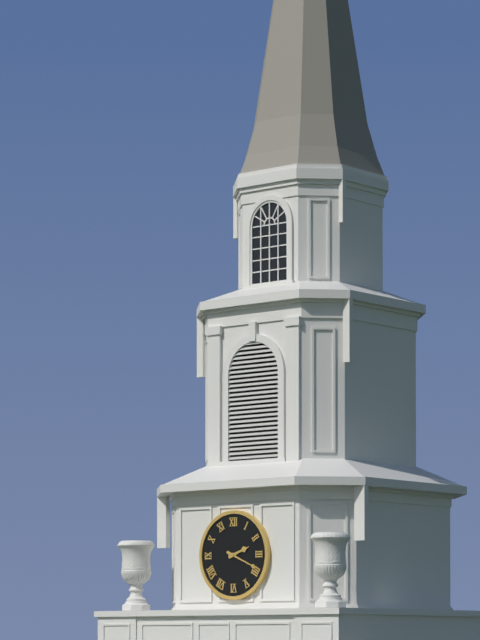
2:19
